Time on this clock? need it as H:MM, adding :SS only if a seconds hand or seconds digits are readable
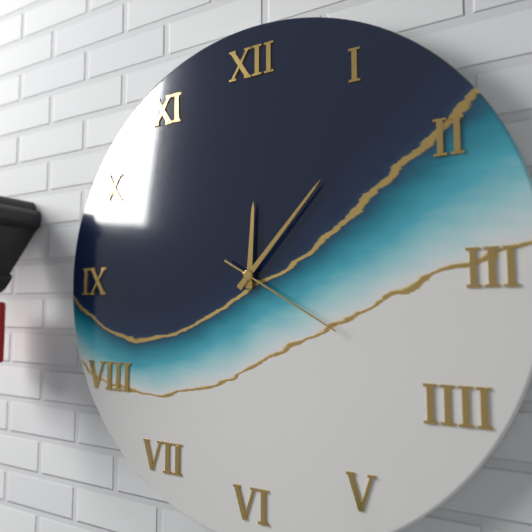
12:07:20
